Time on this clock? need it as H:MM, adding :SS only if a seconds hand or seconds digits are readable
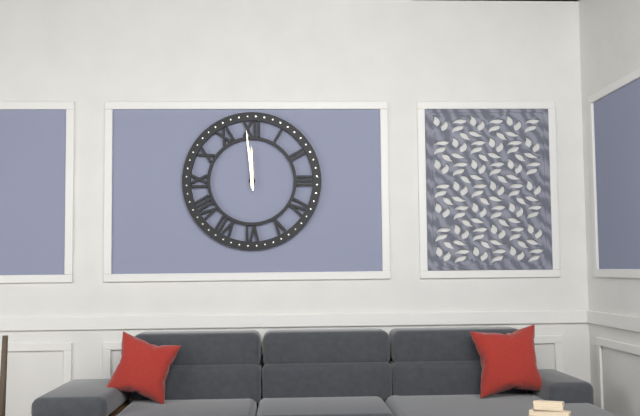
11:59
